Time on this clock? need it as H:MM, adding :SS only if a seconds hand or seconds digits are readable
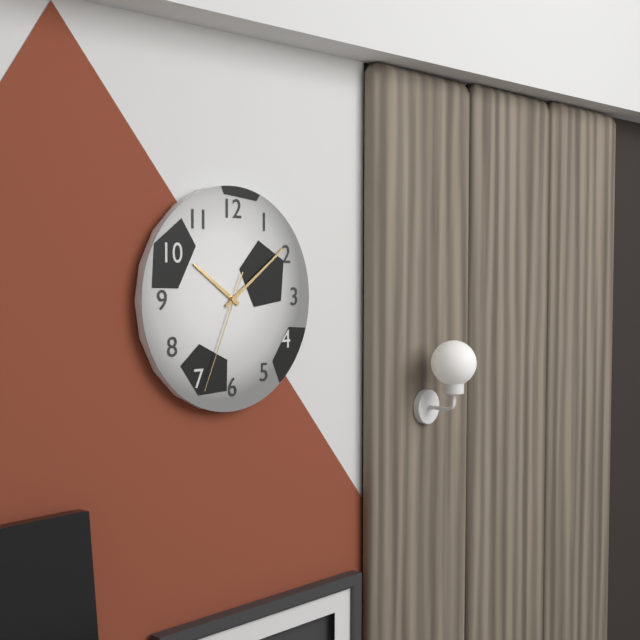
10:09:34
